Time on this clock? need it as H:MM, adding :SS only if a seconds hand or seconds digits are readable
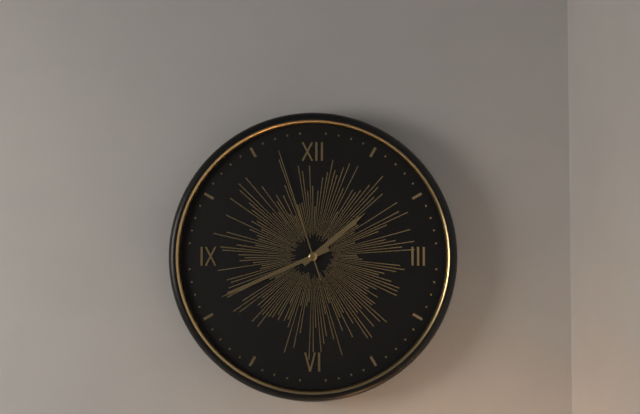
1:41:57
